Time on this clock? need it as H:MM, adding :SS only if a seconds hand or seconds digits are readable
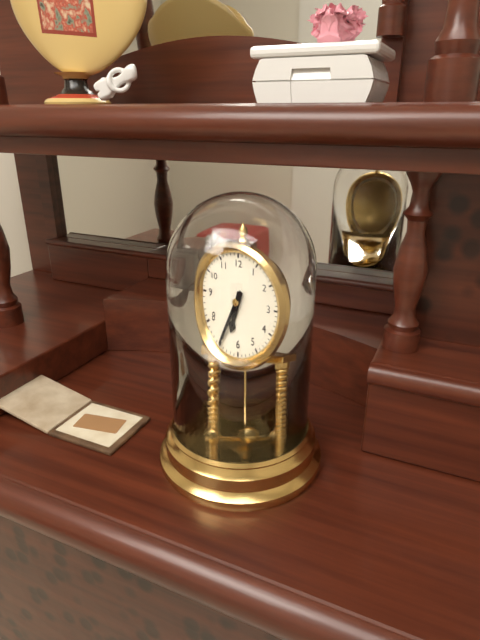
6:35
